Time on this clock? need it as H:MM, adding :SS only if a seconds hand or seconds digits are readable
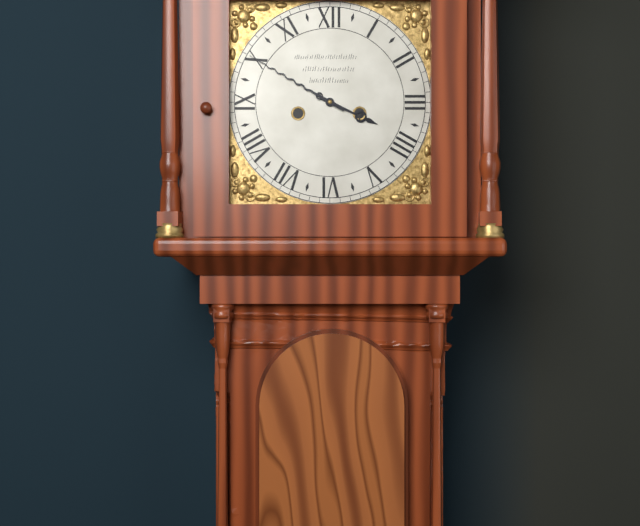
3:50
